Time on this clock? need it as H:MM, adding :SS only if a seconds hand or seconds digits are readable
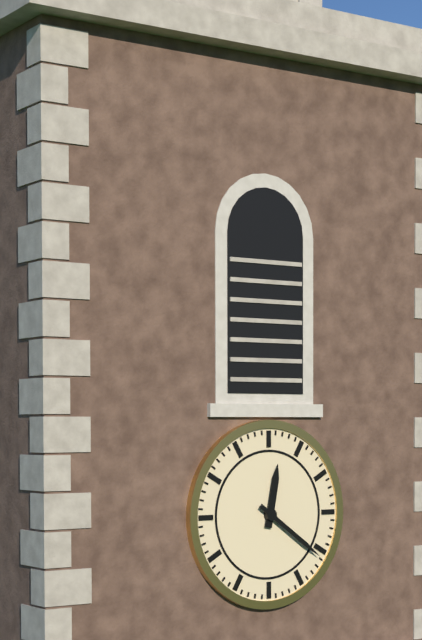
12:21
